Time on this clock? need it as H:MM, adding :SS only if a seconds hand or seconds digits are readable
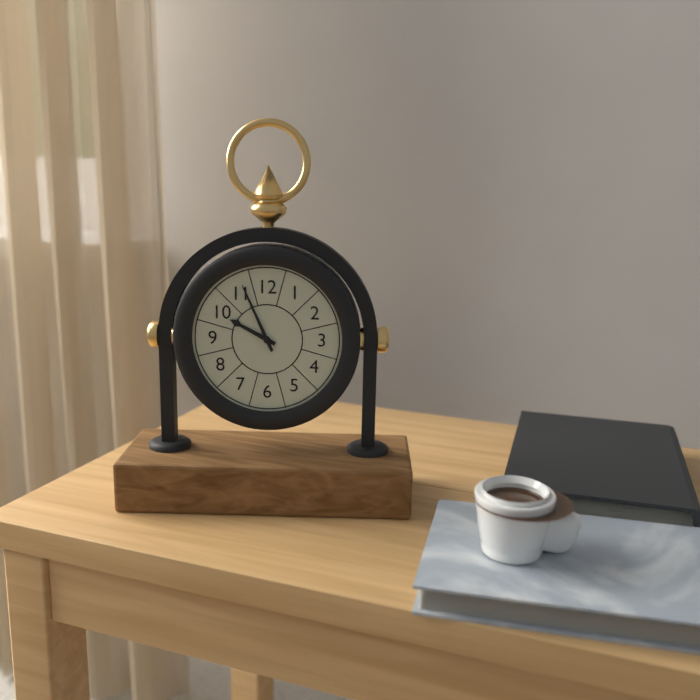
9:56
